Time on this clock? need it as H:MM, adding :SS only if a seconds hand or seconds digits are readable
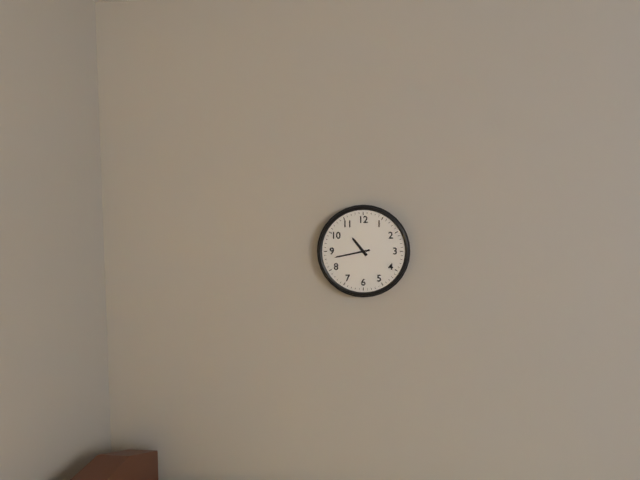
10:43
